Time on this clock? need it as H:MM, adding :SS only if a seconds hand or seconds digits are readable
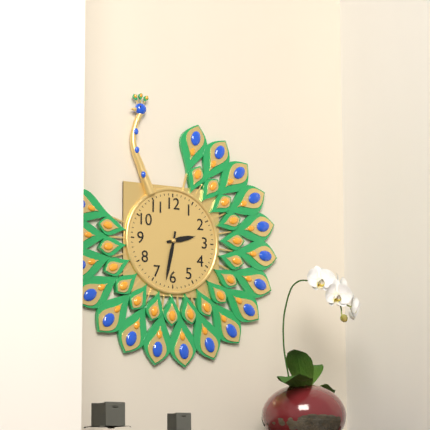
2:32
